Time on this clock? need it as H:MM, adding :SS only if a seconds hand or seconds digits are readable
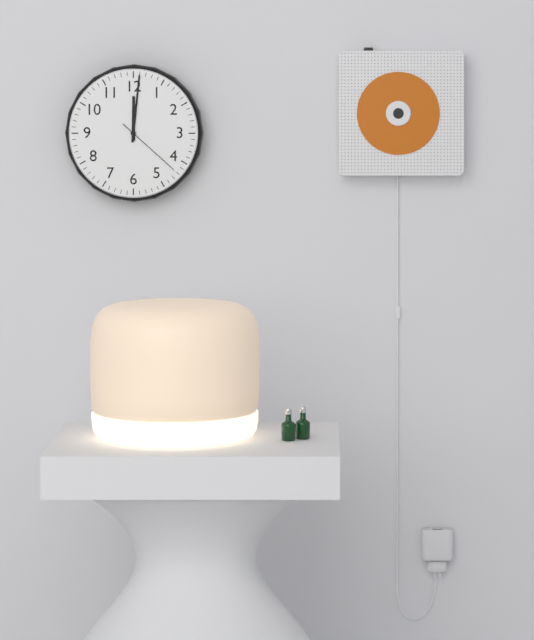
12:01:22
